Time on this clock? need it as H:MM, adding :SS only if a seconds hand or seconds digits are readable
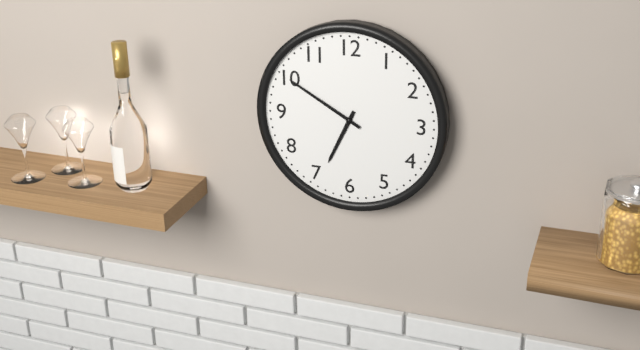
6:50
